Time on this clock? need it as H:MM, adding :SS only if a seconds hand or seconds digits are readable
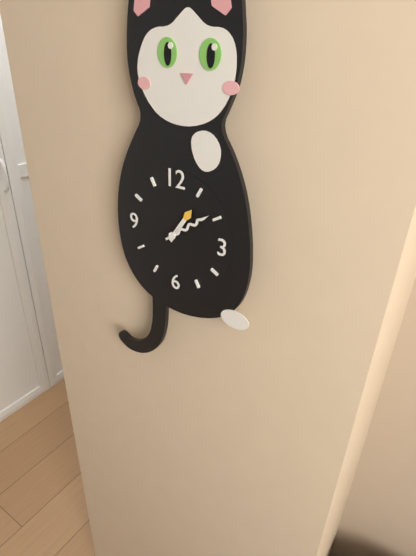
1:09
